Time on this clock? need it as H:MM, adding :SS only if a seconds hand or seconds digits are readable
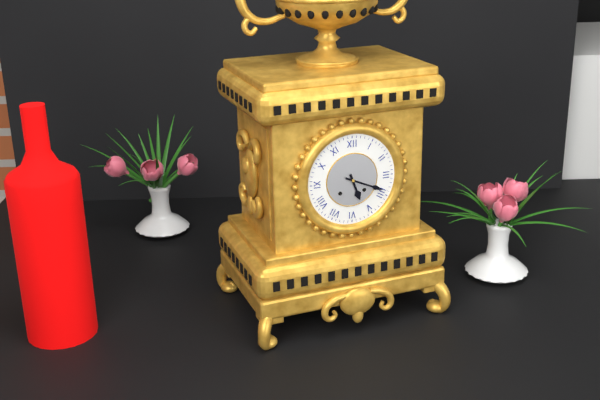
5:19
